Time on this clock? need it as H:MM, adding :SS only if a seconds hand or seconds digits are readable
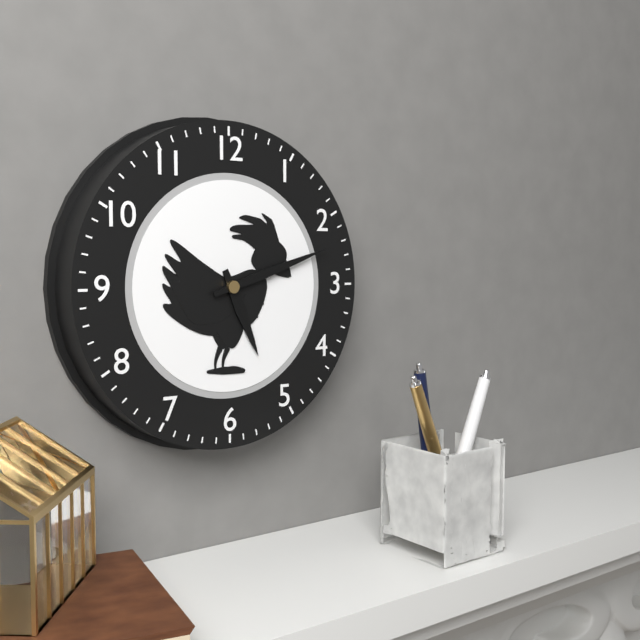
5:12
